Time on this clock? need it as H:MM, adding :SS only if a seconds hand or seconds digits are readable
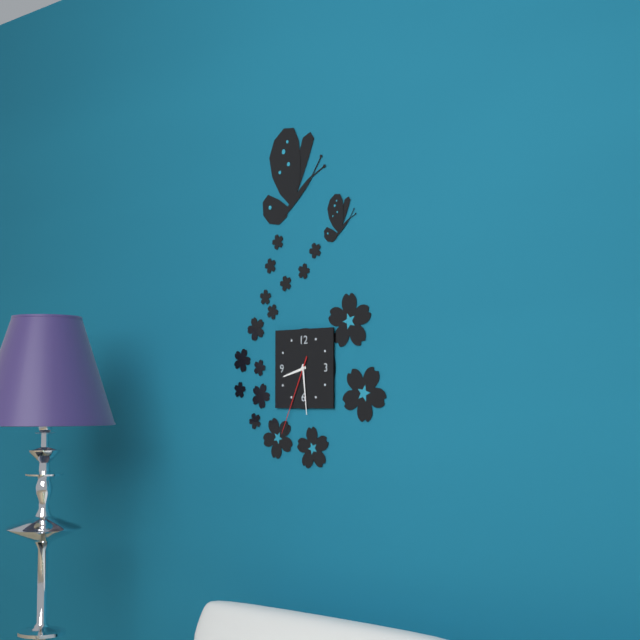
8:29:34
